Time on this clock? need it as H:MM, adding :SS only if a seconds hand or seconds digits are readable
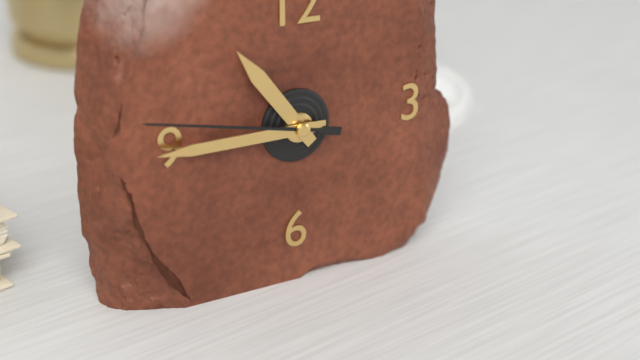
10:45:47
